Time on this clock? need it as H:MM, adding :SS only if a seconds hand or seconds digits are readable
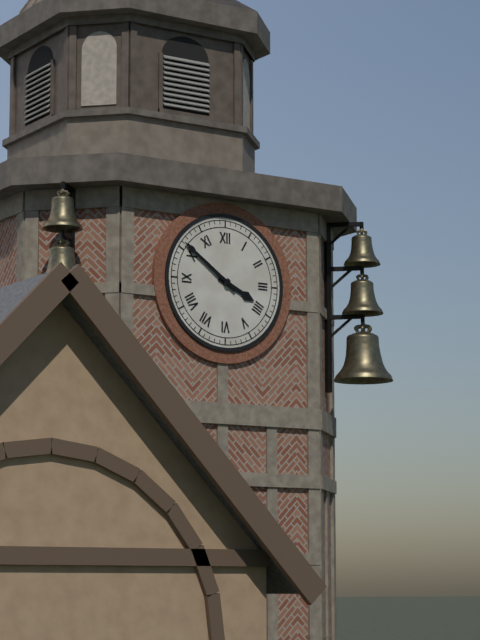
3:51
